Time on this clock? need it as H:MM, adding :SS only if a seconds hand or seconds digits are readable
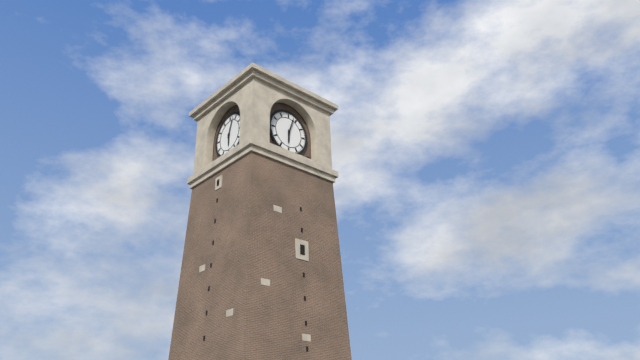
6:03
